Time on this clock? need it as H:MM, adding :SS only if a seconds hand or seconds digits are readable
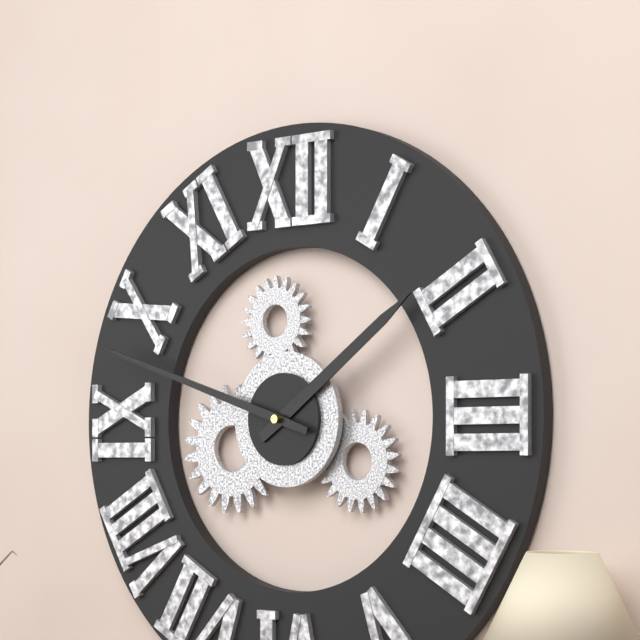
1:48
